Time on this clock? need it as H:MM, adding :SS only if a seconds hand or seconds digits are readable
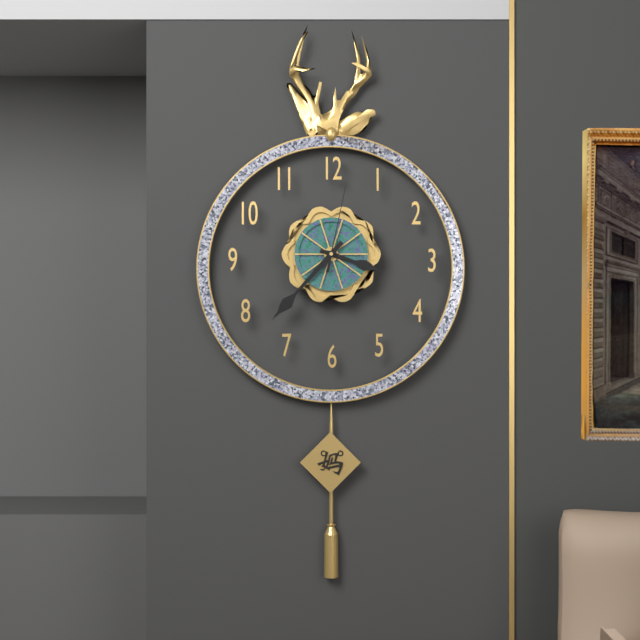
3:37:02
